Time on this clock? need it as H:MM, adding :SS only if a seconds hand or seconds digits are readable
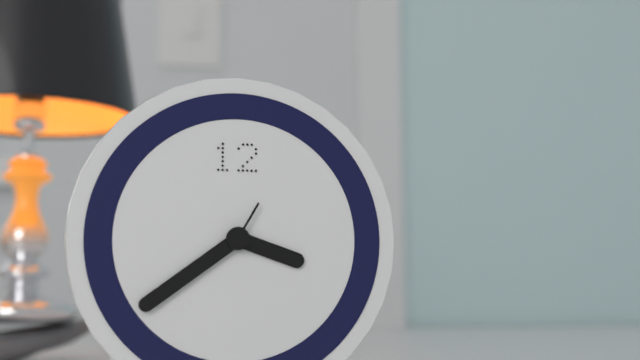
3:39:05
